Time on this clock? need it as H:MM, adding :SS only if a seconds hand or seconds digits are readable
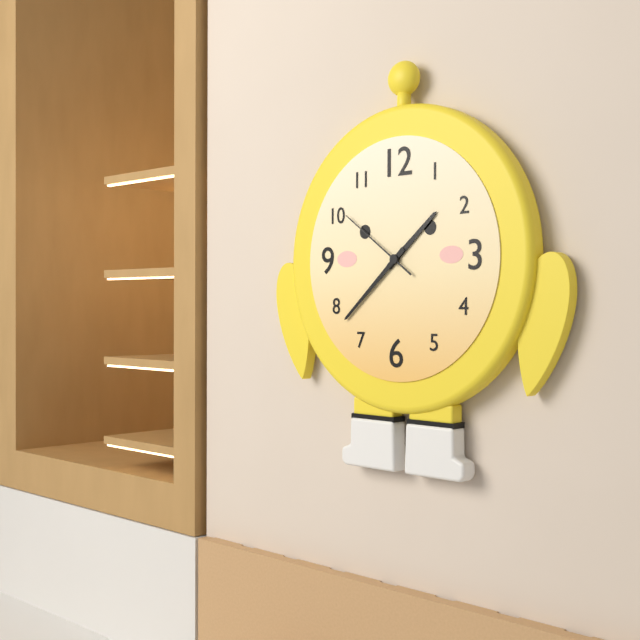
1:38:51
